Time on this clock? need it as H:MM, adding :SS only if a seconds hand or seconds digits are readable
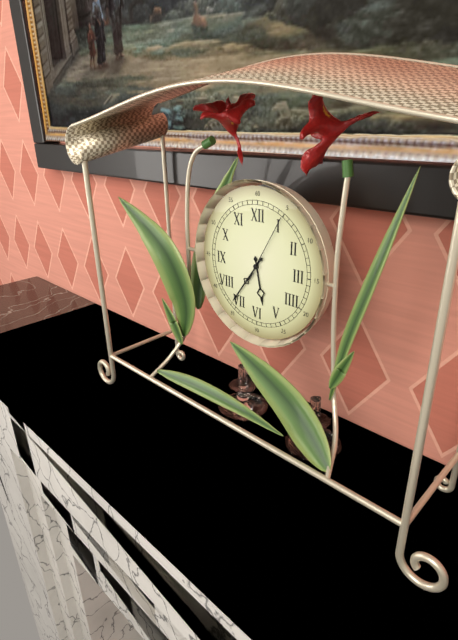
5:36:05
